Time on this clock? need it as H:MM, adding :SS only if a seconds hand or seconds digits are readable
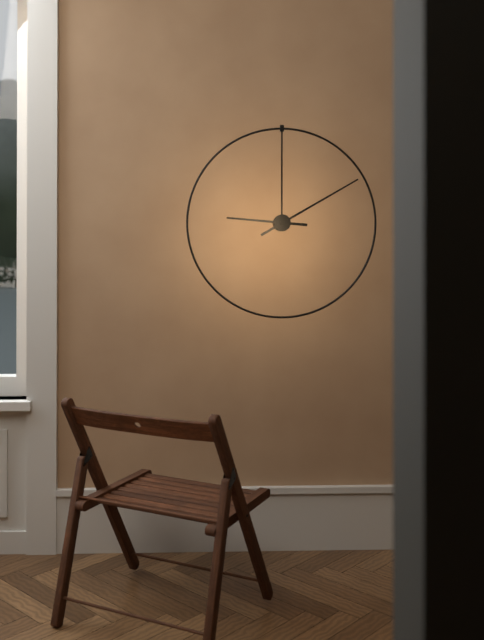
9:10
